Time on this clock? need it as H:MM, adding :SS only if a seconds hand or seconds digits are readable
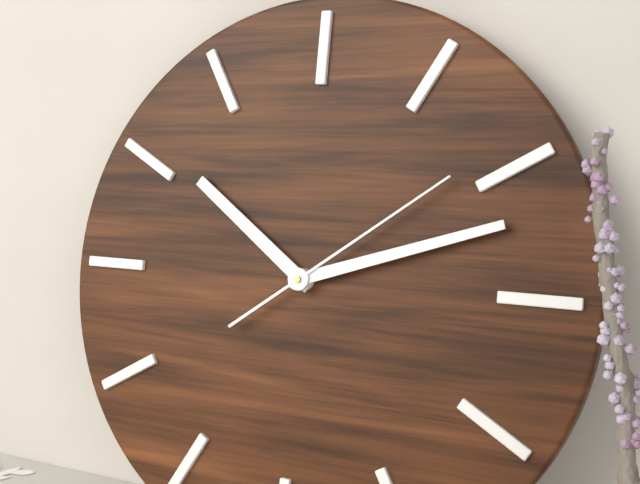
10:12:09
